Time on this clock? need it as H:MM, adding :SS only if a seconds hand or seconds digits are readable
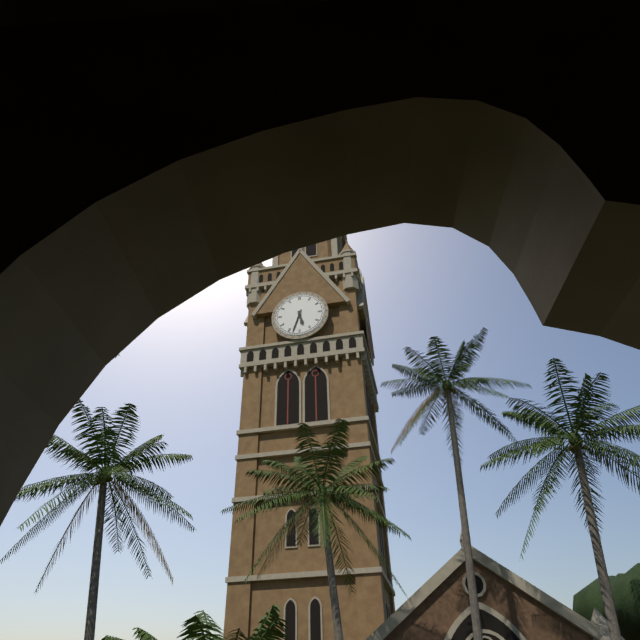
5:33
